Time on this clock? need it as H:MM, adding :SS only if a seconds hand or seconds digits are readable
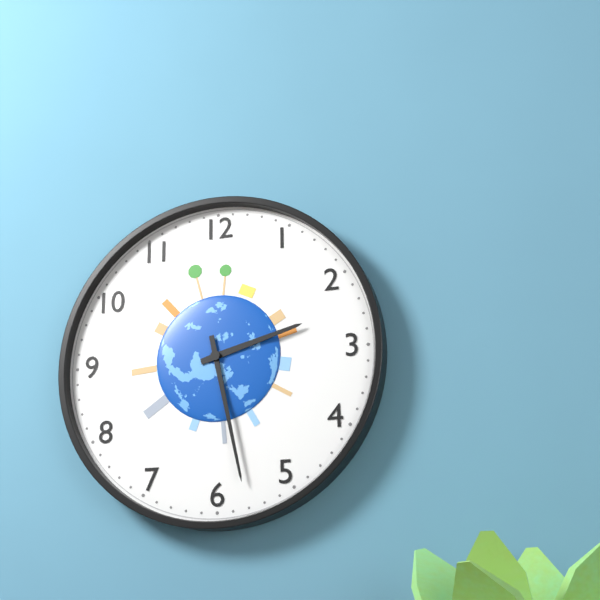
2:28
